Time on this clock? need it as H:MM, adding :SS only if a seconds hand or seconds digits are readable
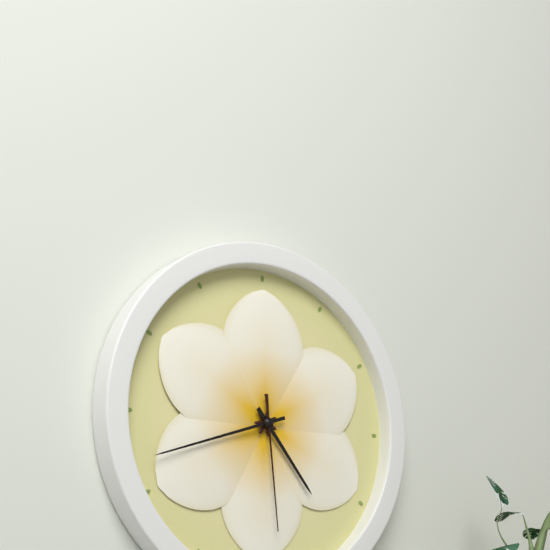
4:42:29
